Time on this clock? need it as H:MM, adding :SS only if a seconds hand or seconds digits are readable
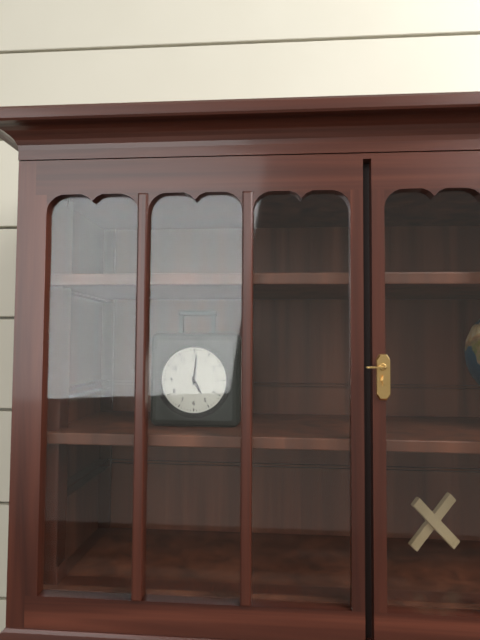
5:01
